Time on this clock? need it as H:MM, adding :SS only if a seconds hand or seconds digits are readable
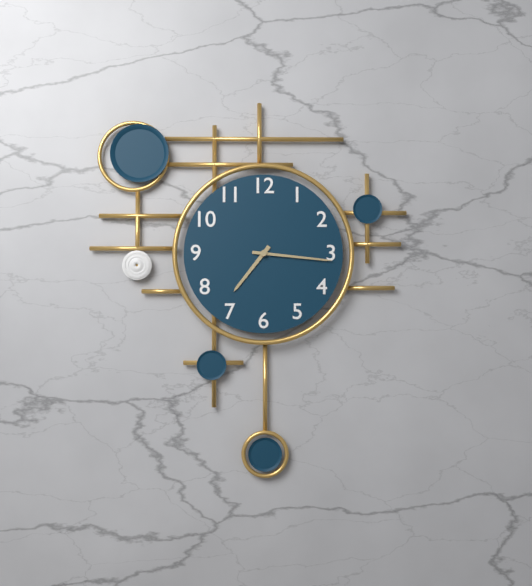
7:16
